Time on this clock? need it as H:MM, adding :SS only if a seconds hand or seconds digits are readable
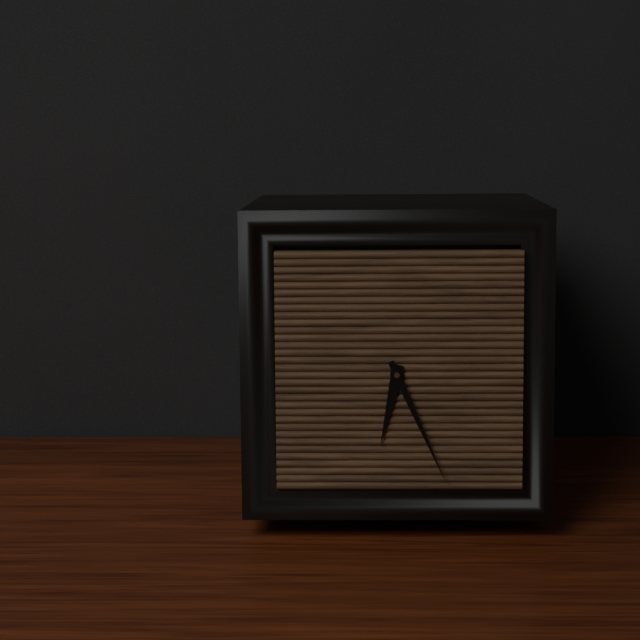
6:26
